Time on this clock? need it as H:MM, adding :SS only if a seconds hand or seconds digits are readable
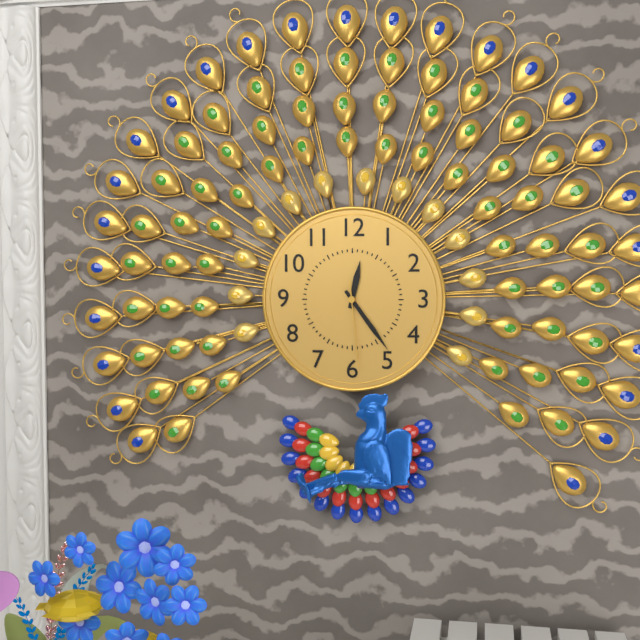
12:24:29
